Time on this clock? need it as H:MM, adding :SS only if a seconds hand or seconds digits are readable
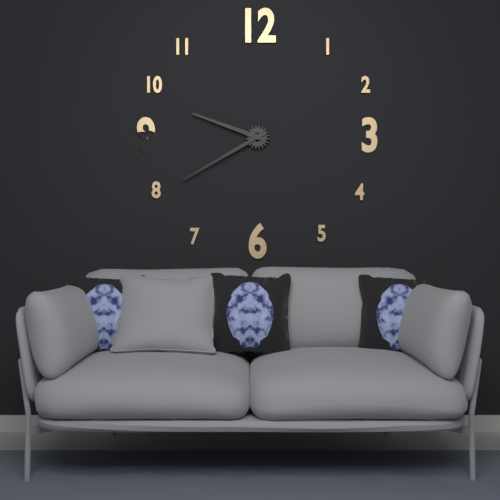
9:40
